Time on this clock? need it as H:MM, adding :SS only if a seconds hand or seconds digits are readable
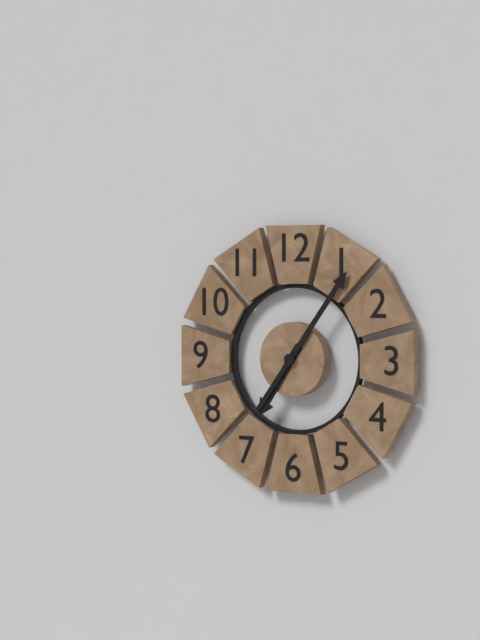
7:06
